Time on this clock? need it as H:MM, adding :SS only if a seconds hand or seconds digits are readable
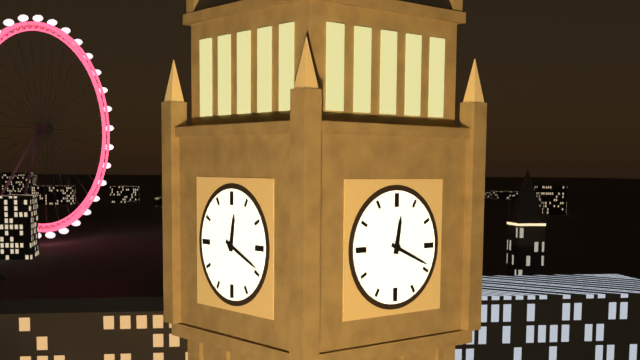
12:19
